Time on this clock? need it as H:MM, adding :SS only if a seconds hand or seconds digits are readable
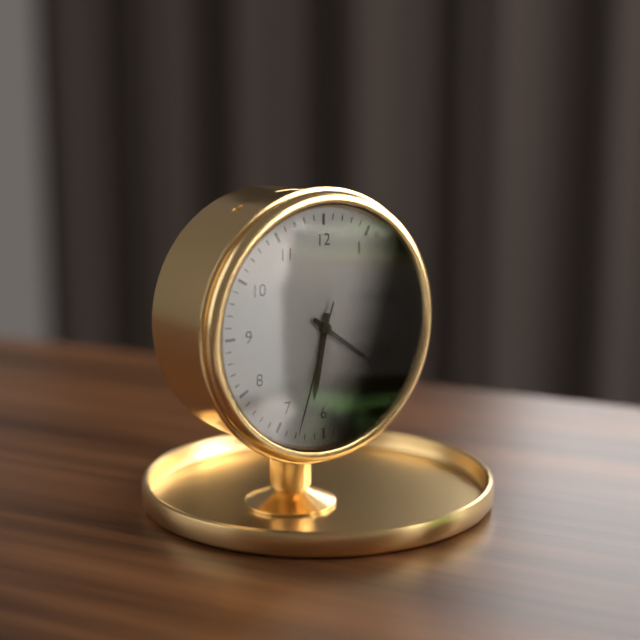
6:21:33
